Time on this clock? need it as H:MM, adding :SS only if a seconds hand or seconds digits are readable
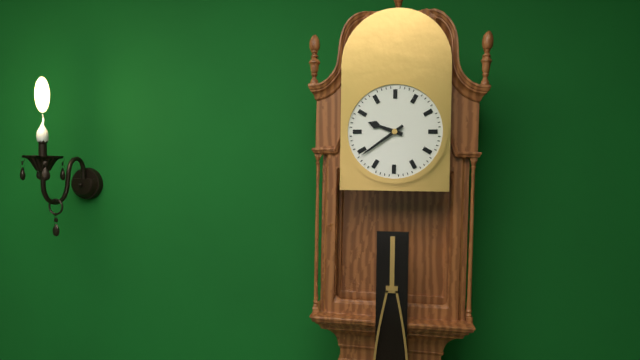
9:39
